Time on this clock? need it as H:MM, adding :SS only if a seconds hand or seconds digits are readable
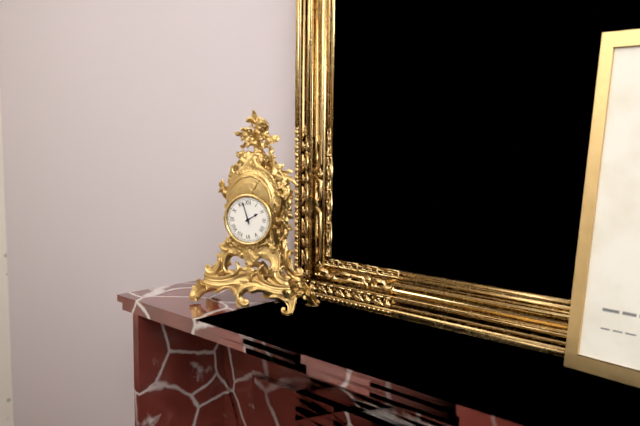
1:57
